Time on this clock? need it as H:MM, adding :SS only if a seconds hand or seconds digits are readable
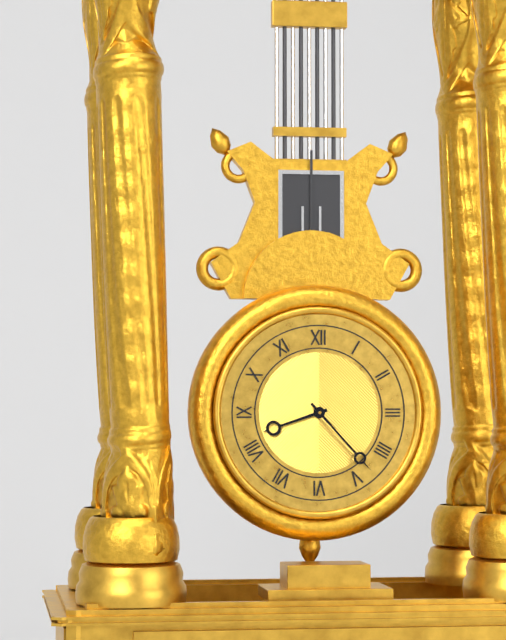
8:23
